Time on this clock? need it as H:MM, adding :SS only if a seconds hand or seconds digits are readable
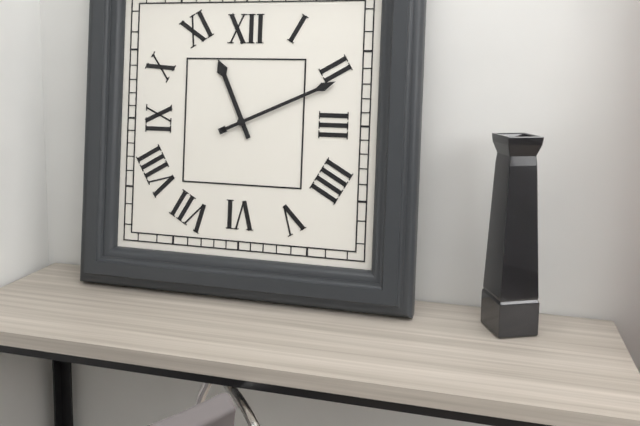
11:11
